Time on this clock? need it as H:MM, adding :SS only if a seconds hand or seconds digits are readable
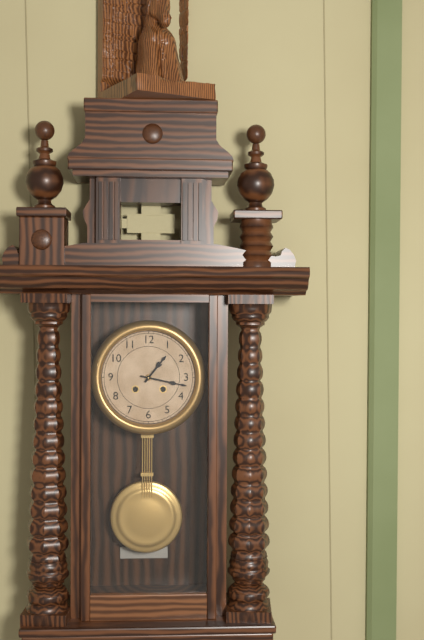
1:17
